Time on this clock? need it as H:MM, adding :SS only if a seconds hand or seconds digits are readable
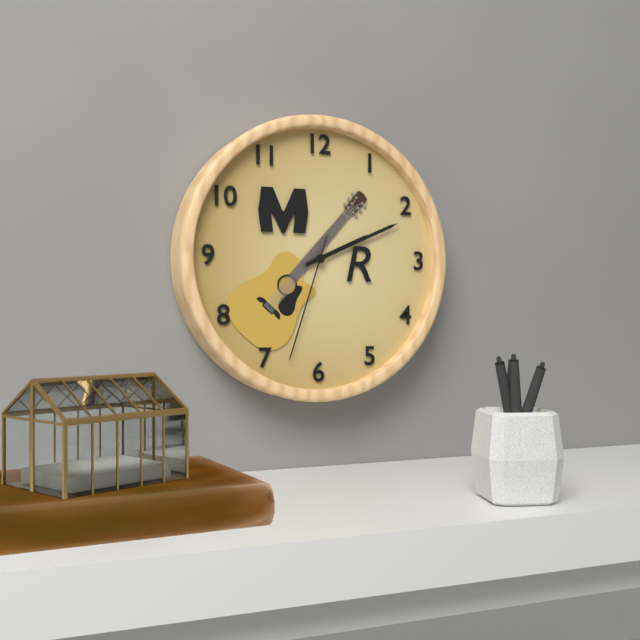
2:11:33
